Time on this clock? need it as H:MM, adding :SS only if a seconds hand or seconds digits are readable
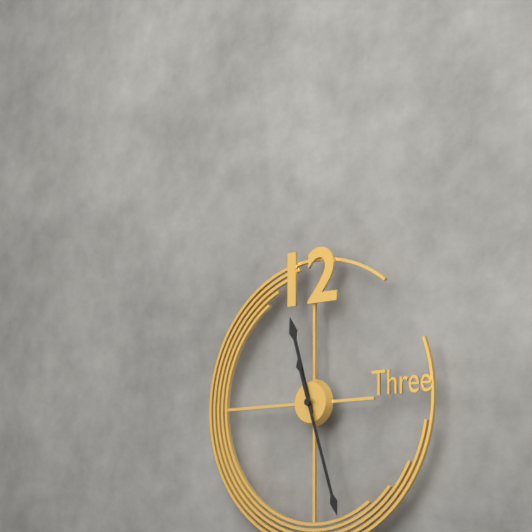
11:27
